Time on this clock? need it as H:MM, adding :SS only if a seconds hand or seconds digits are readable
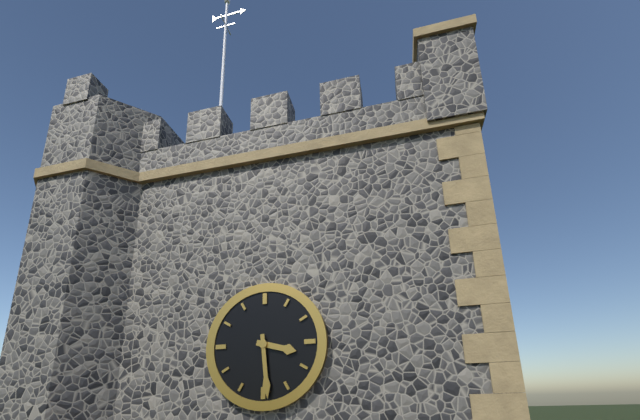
3:29
